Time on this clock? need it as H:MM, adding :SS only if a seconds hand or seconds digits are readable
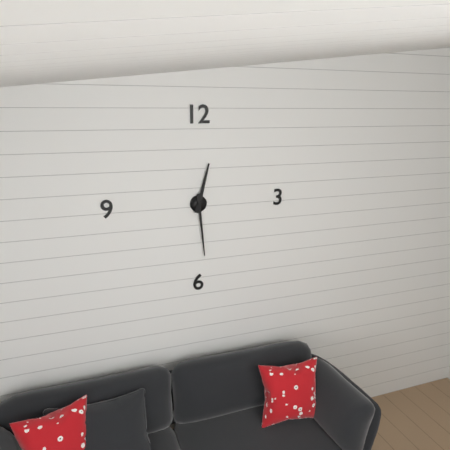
12:29
